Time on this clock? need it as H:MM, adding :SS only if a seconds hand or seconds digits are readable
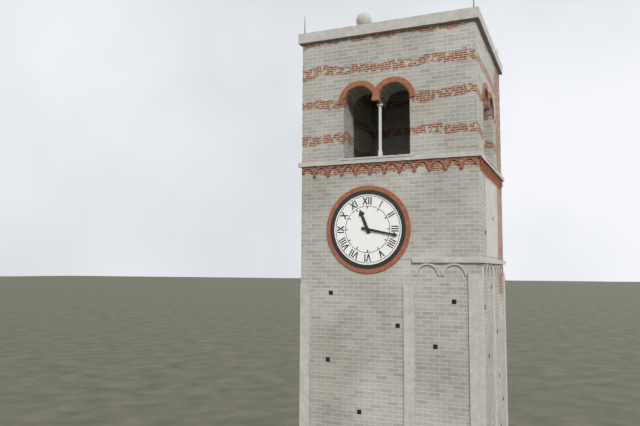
11:17
